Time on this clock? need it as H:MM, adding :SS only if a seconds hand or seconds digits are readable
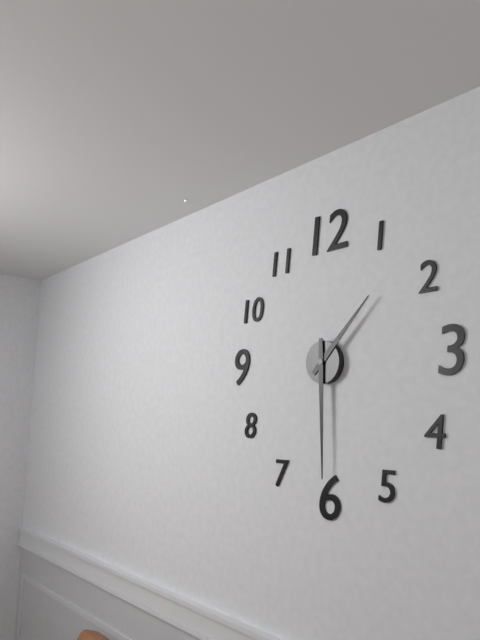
1:30
